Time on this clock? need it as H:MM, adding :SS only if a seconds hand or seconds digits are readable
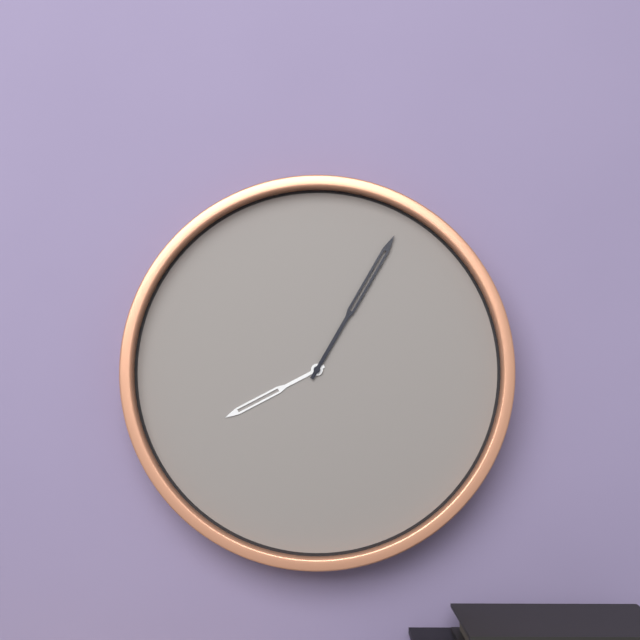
8:05
